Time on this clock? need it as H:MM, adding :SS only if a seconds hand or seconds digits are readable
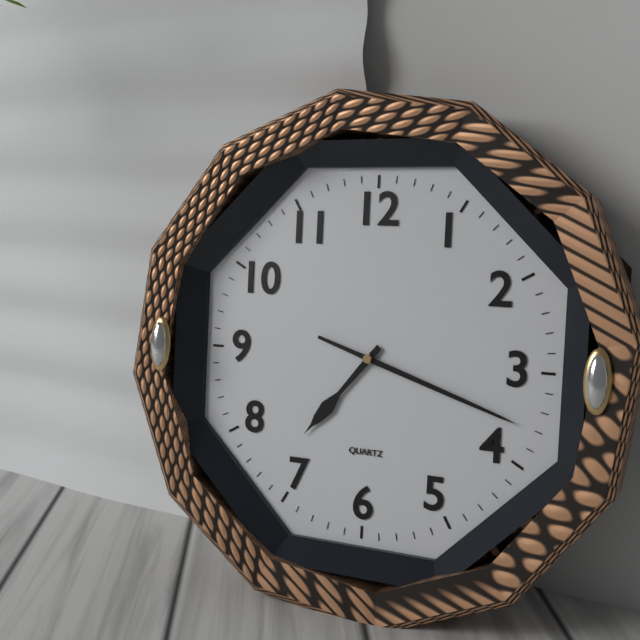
7:18
